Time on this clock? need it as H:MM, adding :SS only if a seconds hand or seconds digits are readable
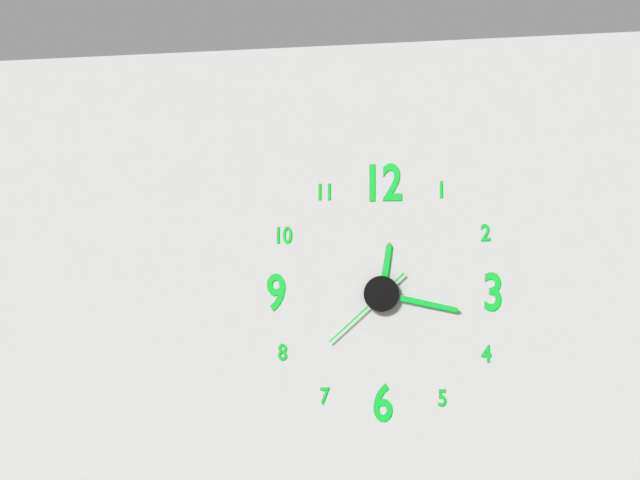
12:17:38
